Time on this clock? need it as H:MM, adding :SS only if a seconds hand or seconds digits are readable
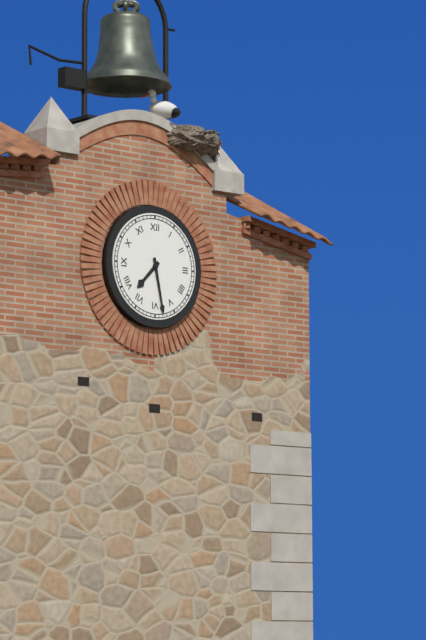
7:28
